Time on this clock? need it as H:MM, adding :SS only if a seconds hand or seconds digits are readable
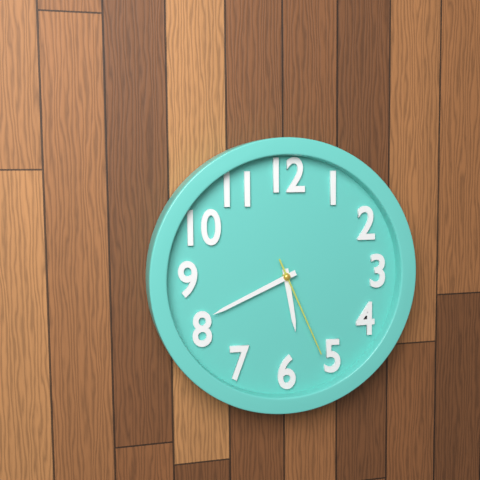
5:41:26
